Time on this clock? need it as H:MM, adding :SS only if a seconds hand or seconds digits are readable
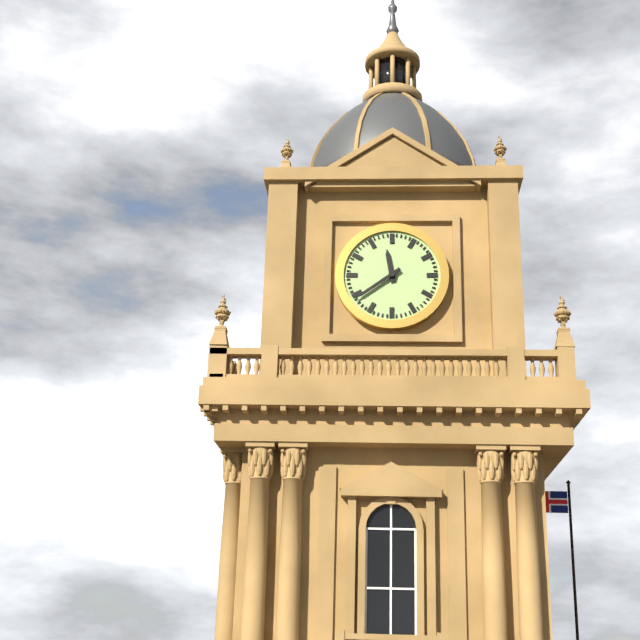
11:39
